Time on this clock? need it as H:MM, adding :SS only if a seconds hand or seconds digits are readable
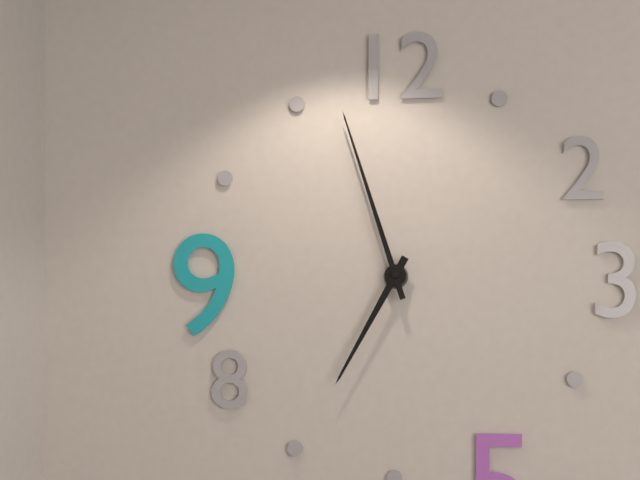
6:57
